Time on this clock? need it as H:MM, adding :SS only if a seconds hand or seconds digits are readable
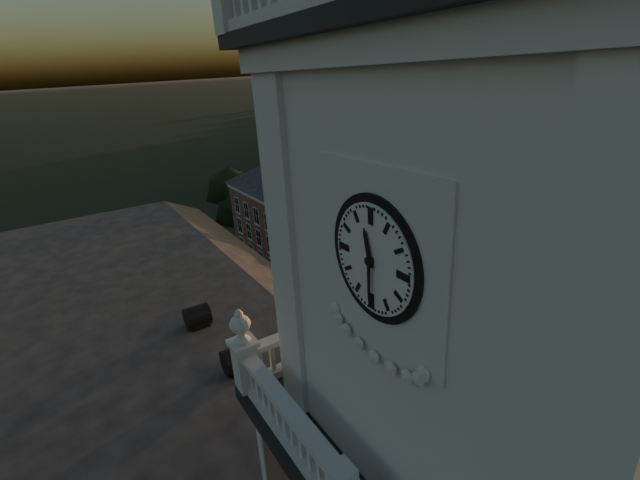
11:30
